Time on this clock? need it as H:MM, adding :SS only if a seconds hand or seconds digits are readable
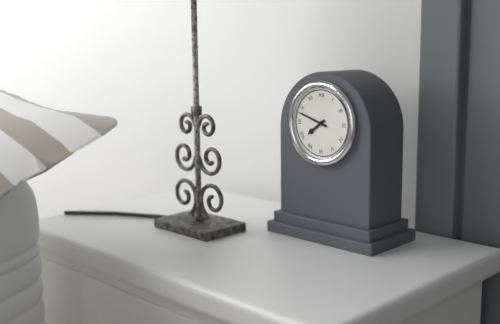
7:48
